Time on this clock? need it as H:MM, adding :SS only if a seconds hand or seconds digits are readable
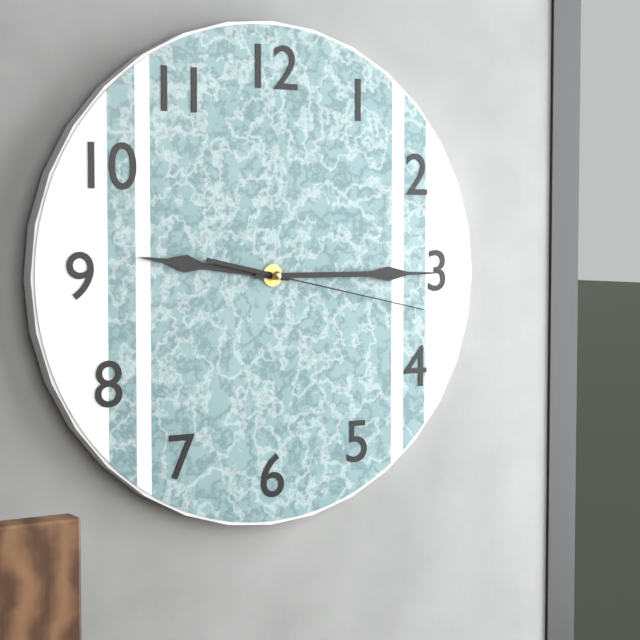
9:15:17
